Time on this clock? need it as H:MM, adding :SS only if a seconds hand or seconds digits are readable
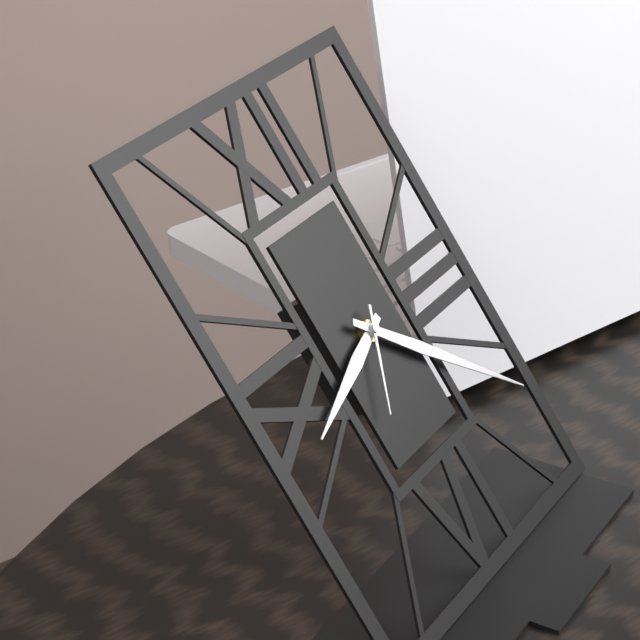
8:22:35
